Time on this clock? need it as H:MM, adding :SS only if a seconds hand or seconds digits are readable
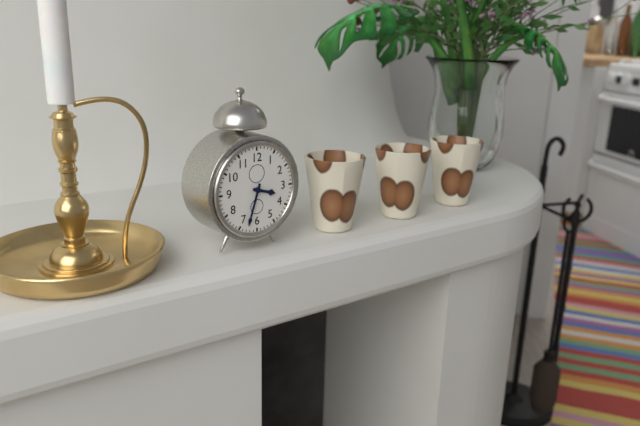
3:33
